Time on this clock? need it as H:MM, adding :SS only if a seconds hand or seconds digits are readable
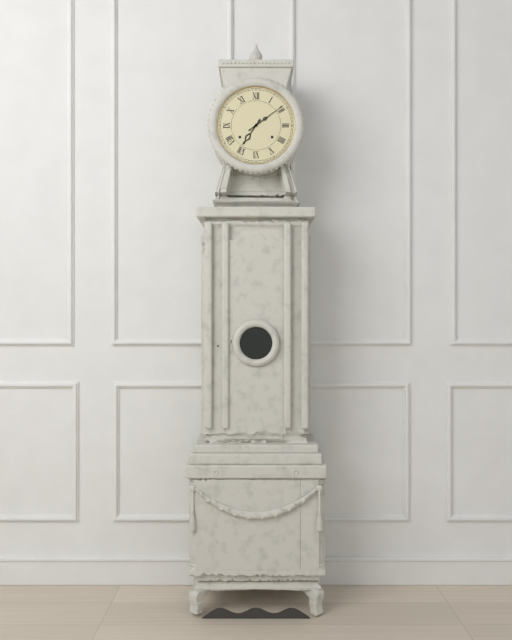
7:09
